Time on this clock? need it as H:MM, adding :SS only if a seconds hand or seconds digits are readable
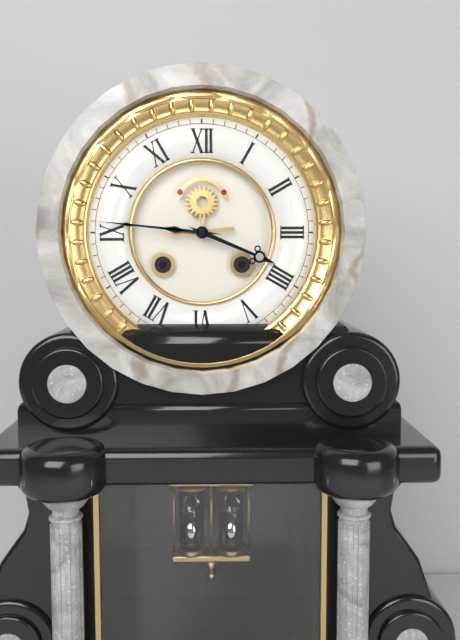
3:46
